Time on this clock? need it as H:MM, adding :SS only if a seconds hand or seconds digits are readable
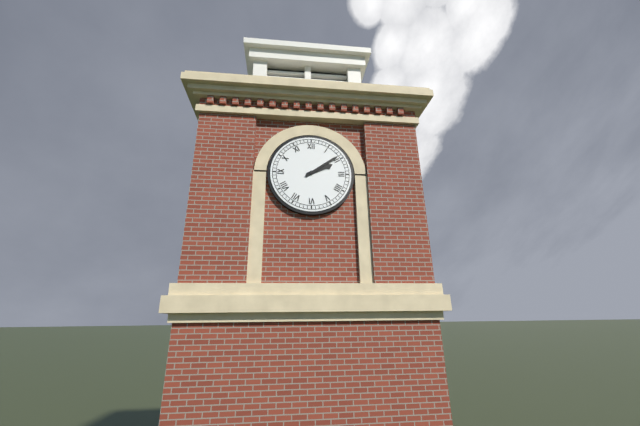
2:09
